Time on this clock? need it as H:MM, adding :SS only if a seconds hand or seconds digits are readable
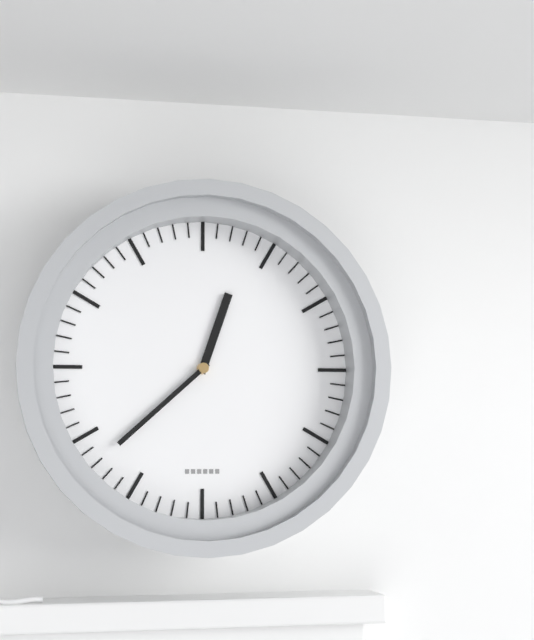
12:38
